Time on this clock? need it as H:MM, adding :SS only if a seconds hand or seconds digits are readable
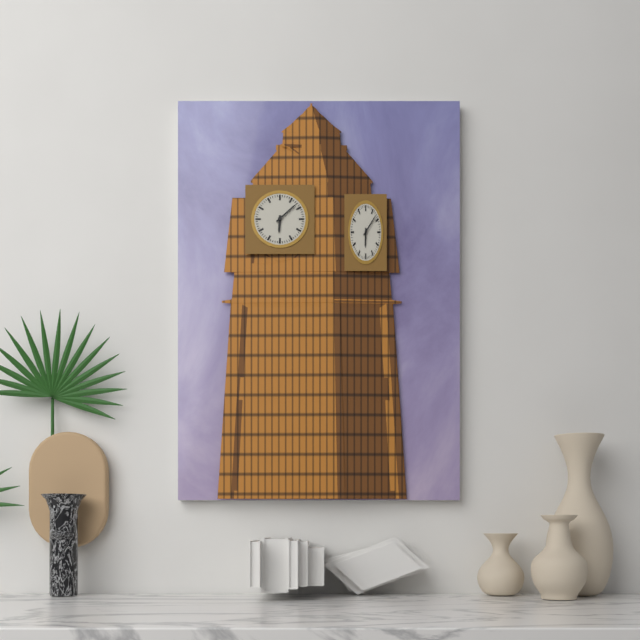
6:08
